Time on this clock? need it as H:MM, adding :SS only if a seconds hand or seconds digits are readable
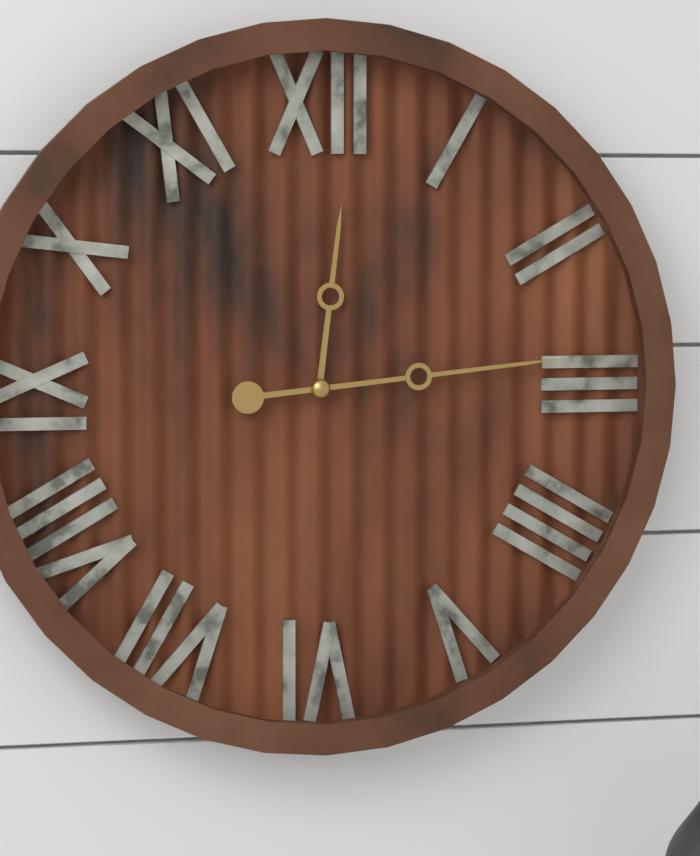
12:14
